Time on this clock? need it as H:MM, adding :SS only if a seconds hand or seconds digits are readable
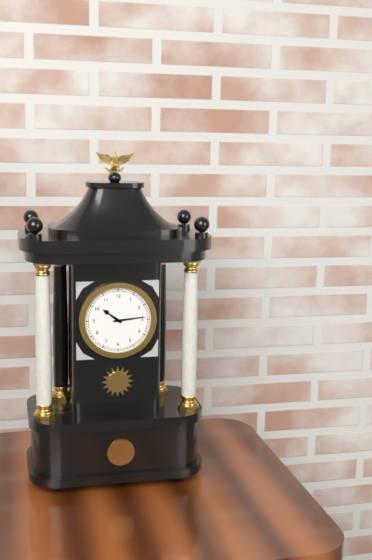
10:14
